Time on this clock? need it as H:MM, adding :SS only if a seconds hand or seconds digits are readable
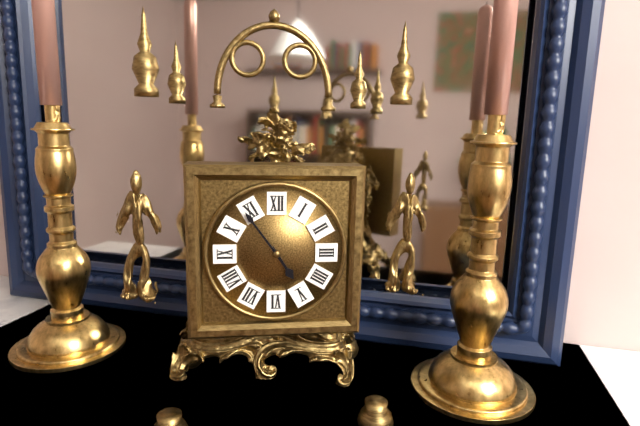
4:54
